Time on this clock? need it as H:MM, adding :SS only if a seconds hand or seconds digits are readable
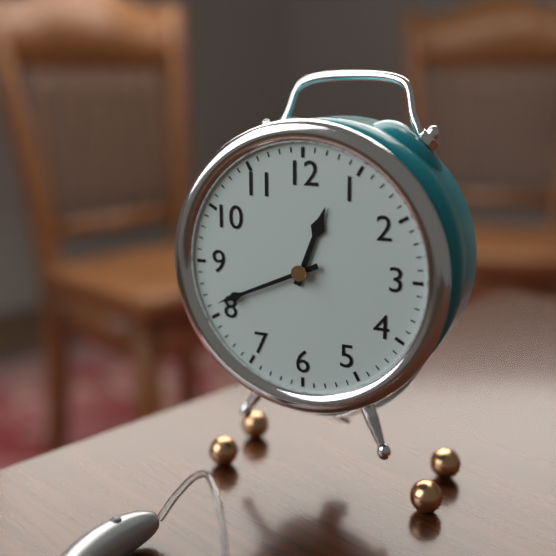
12:41
